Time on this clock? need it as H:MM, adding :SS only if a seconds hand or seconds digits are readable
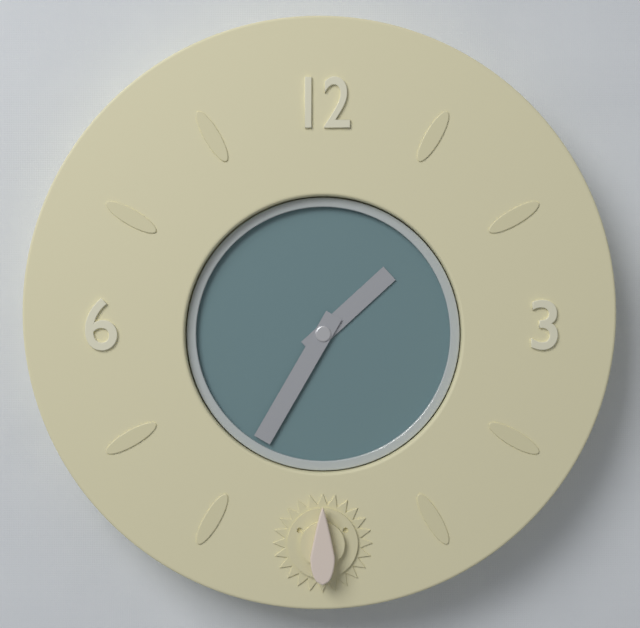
1:35
